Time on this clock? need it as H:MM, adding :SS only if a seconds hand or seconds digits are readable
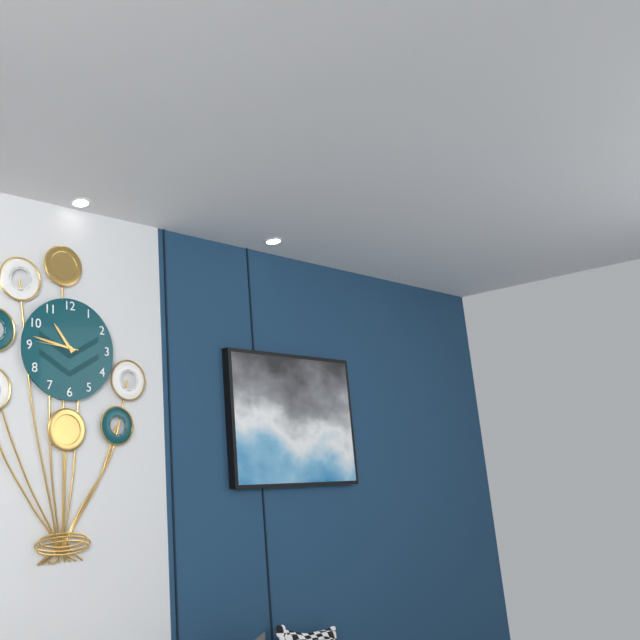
10:47
